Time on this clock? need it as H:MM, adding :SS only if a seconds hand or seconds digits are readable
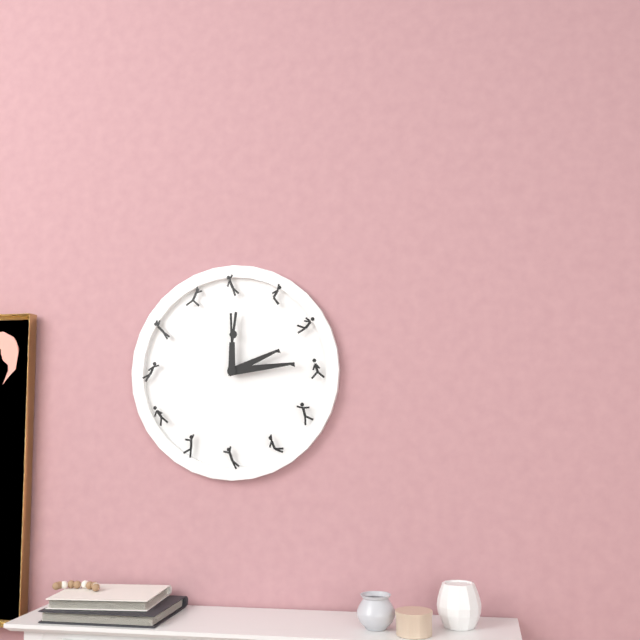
2:14
